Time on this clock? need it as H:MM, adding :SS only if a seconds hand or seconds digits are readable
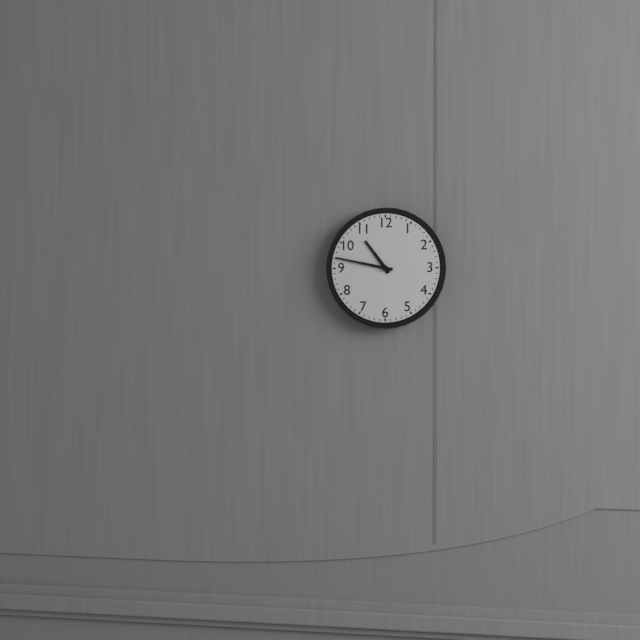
10:47
